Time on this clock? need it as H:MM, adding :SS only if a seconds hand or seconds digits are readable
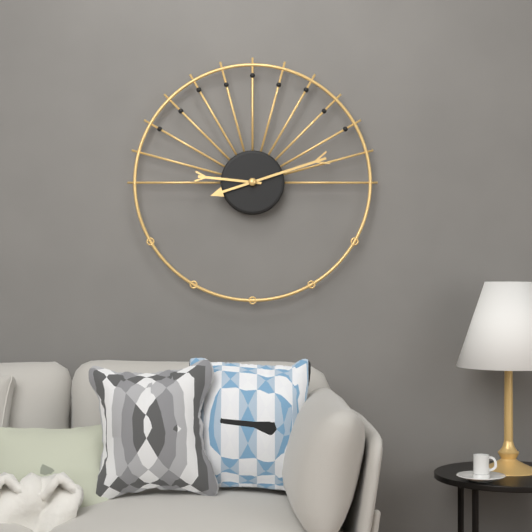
9:12
